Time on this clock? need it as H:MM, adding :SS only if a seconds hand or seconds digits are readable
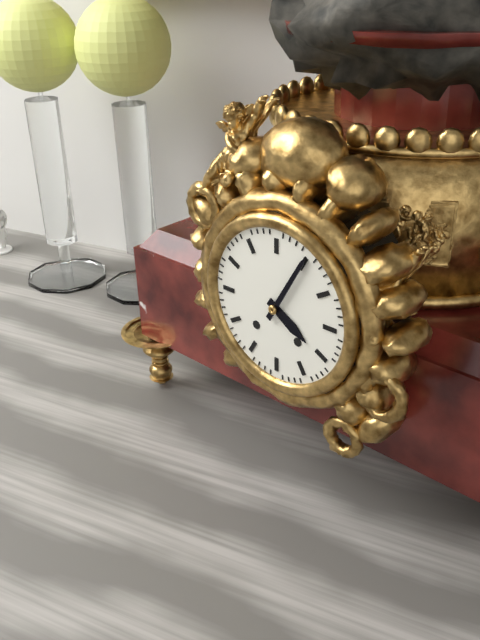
4:05
